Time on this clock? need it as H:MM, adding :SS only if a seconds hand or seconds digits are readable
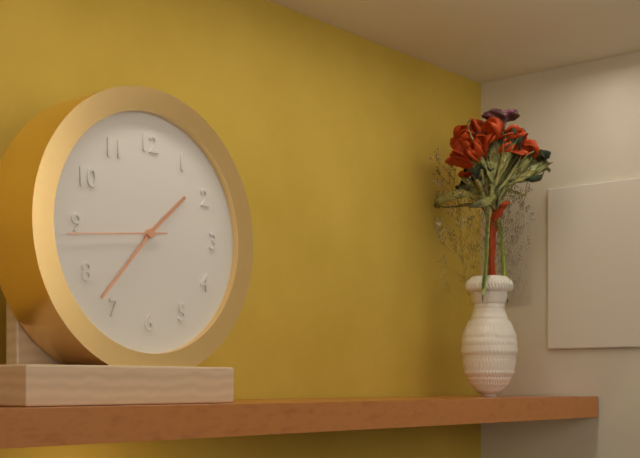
1:37:44
